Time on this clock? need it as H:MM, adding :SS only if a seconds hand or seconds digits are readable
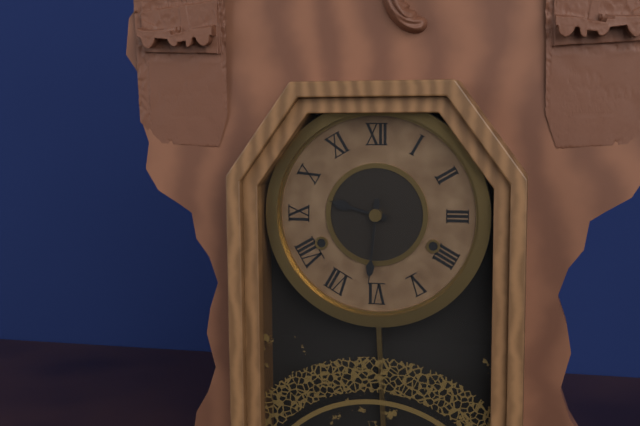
9:31
